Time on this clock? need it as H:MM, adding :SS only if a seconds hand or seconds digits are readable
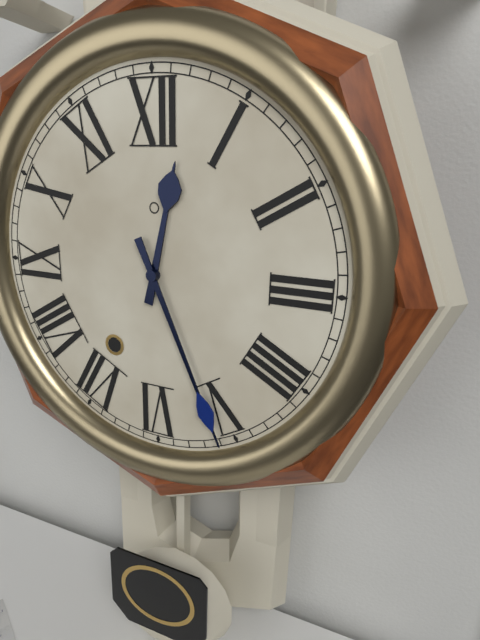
12:26
